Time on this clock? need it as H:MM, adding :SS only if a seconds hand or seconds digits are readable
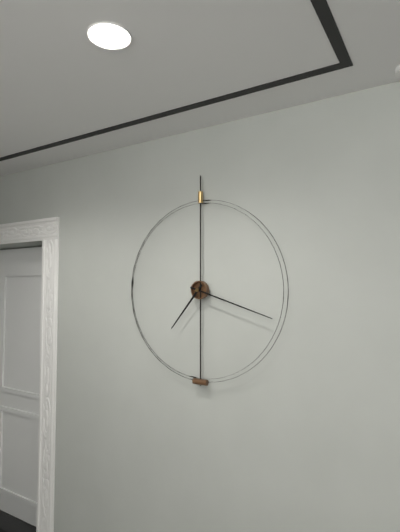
7:18
